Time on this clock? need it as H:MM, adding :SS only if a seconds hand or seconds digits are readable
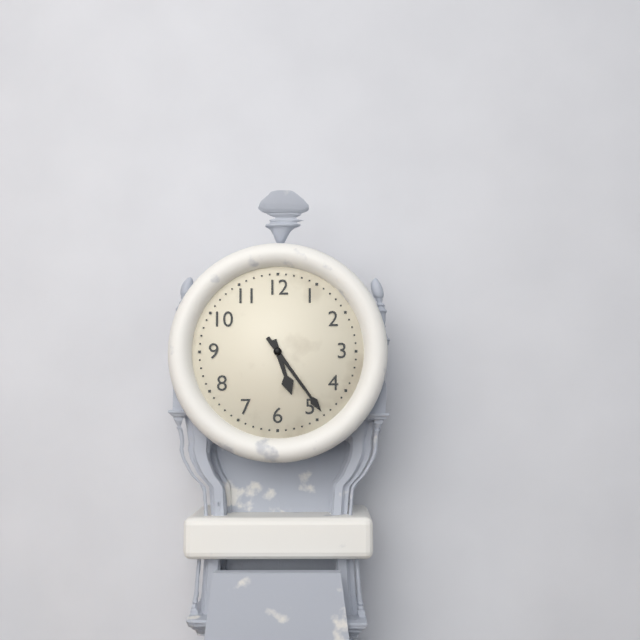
5:24
